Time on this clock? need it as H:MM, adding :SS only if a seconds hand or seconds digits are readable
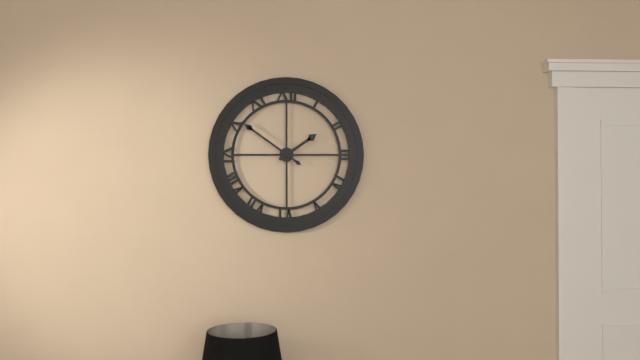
1:51
